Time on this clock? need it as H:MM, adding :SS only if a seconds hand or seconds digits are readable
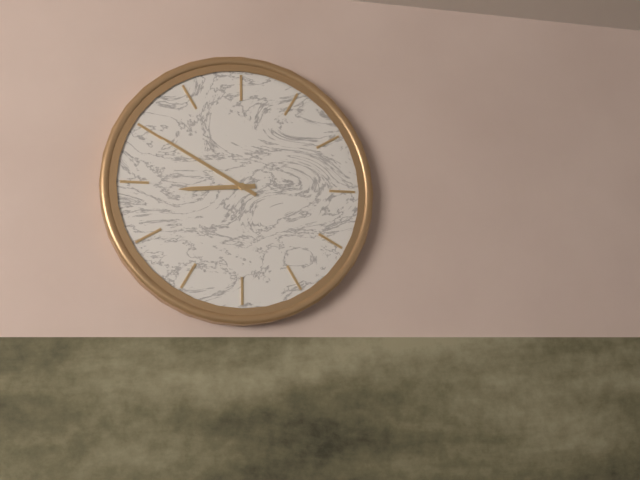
8:50
